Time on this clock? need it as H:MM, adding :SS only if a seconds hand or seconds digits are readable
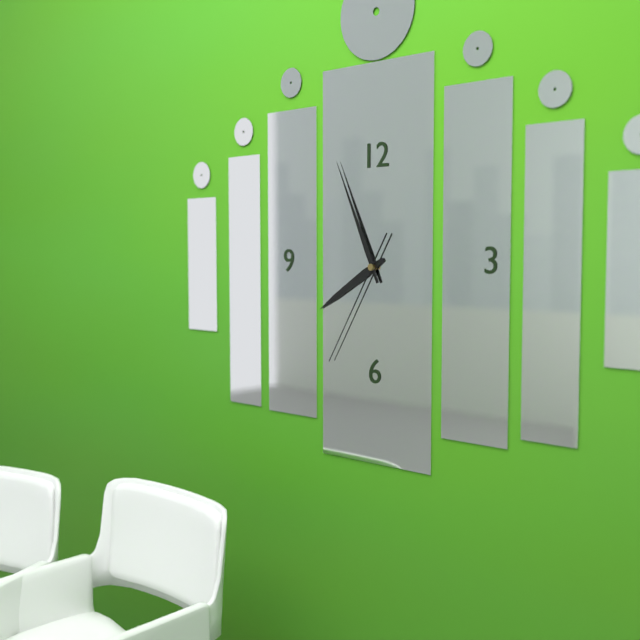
7:56:35
